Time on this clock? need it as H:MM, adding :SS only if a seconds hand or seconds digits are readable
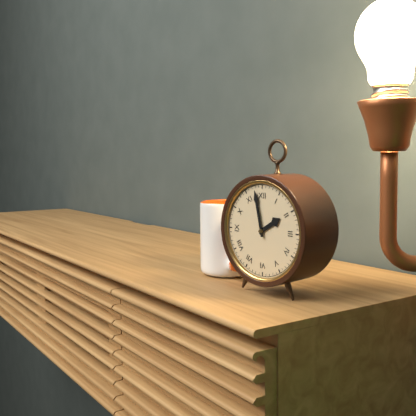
1:58
